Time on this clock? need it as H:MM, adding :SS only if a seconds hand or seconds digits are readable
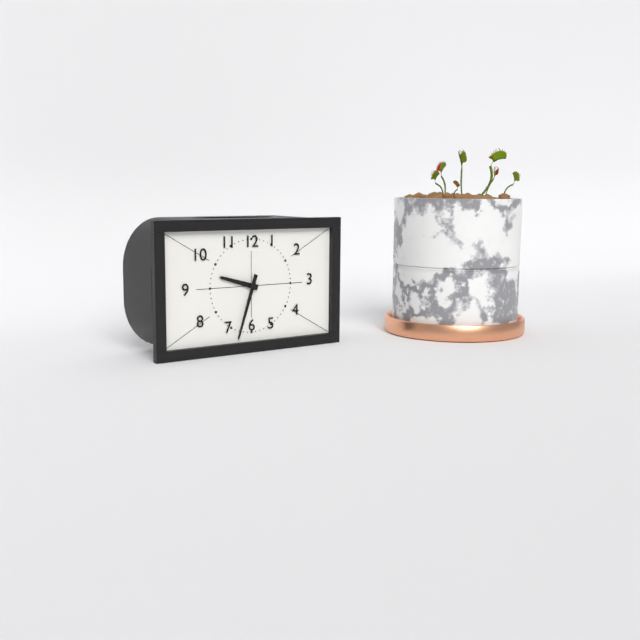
9:33
